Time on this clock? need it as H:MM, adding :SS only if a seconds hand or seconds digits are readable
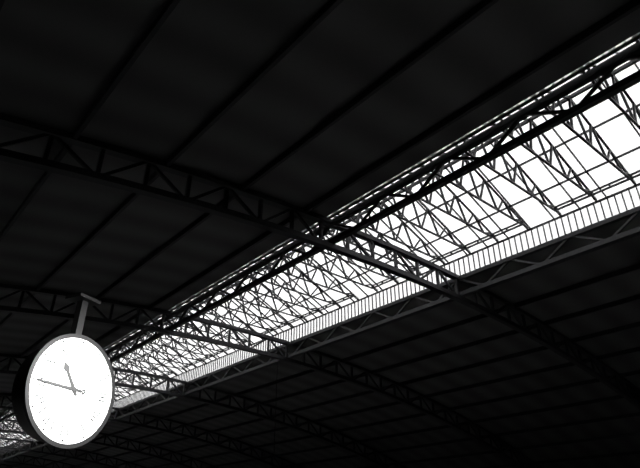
10:45
